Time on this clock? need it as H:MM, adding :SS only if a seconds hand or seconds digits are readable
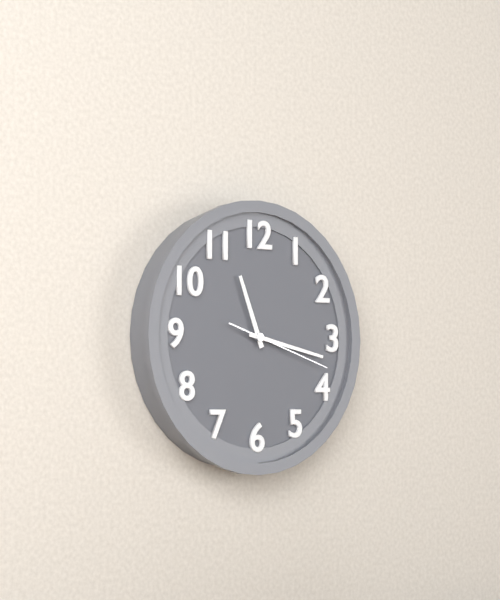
11:17:18
